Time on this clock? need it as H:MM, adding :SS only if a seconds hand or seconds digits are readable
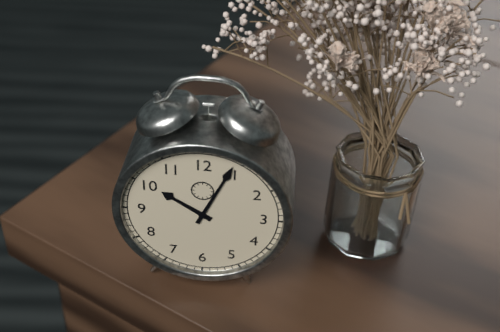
10:04
